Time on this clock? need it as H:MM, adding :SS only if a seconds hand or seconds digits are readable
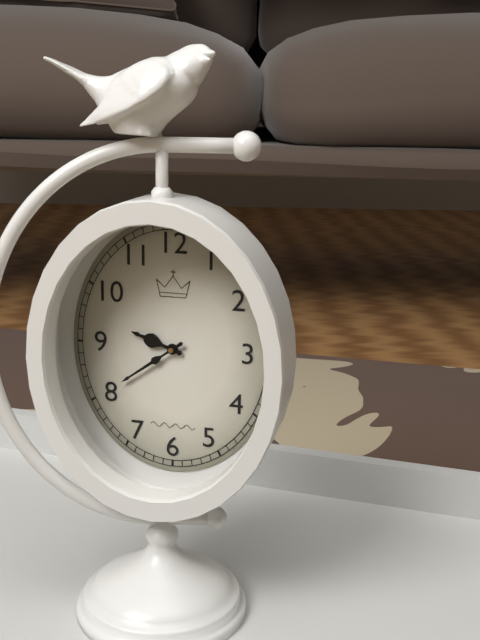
9:39
